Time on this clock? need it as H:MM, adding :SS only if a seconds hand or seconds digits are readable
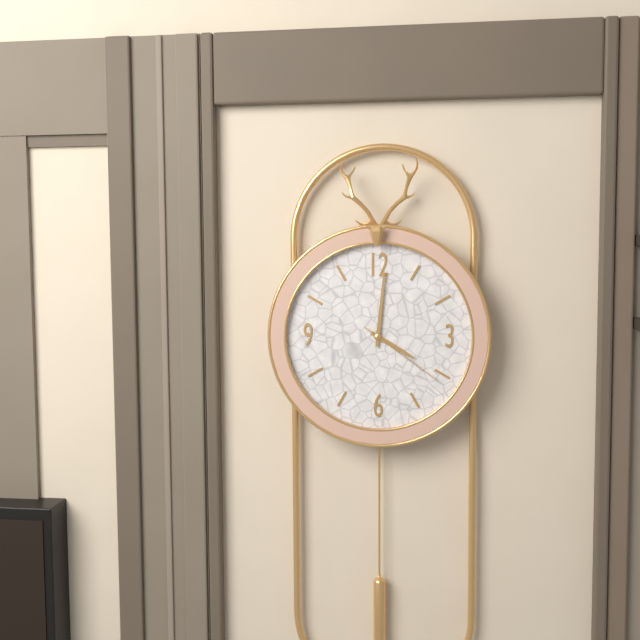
4:01:21
